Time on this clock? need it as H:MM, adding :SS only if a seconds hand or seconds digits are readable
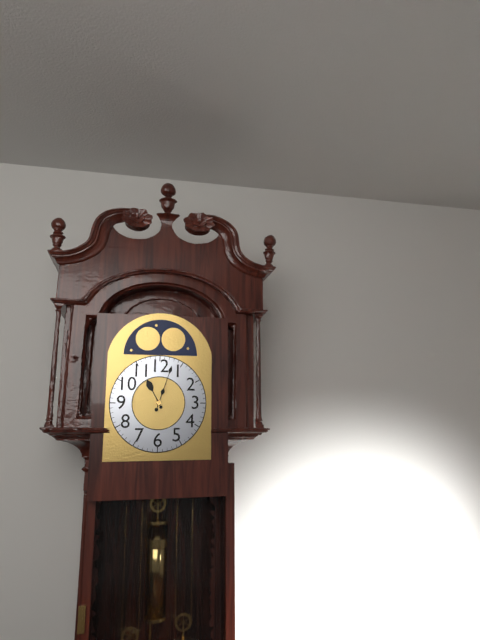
11:03
